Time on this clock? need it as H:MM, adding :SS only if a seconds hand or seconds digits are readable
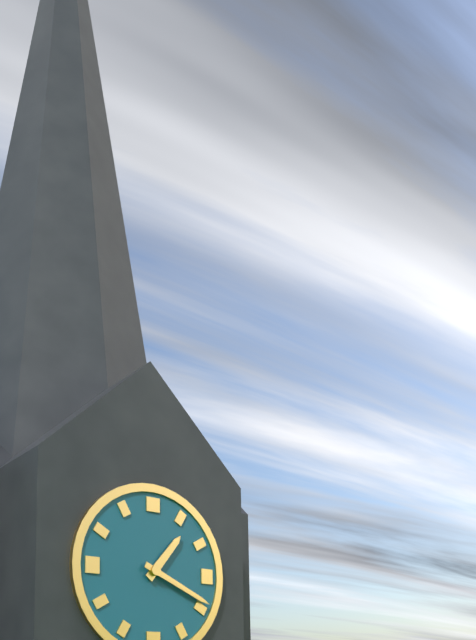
1:19
